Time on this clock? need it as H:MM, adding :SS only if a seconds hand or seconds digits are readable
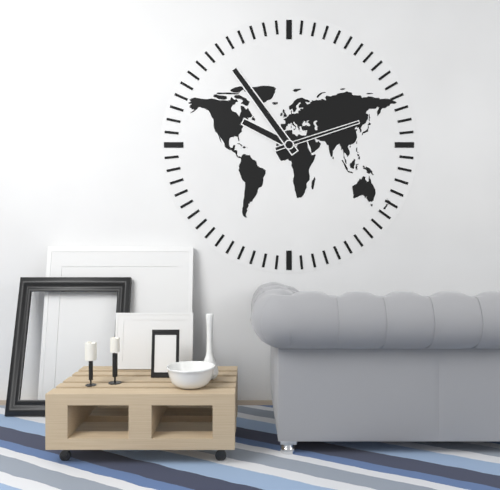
9:54:12
